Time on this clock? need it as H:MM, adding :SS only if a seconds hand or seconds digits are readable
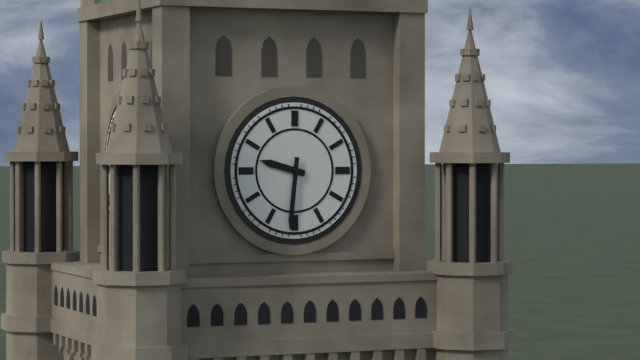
9:31
